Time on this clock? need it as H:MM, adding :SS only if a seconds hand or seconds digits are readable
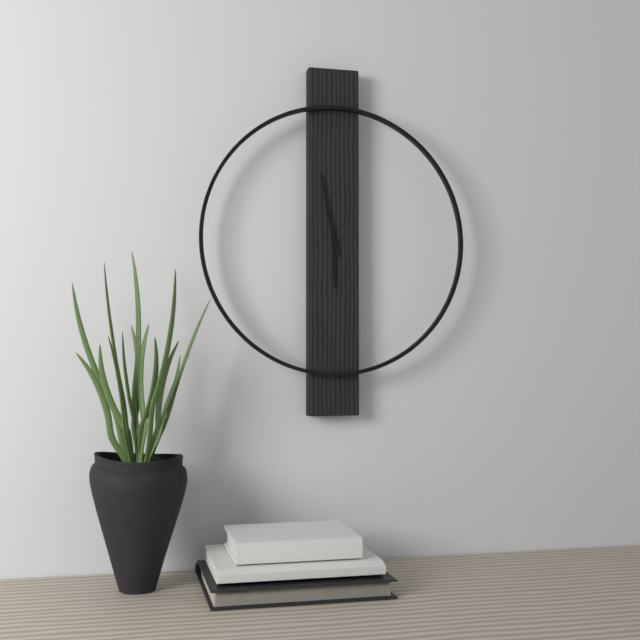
5:58
